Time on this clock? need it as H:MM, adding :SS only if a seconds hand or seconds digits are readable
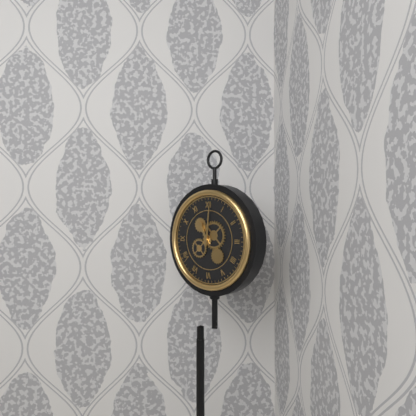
11:01
